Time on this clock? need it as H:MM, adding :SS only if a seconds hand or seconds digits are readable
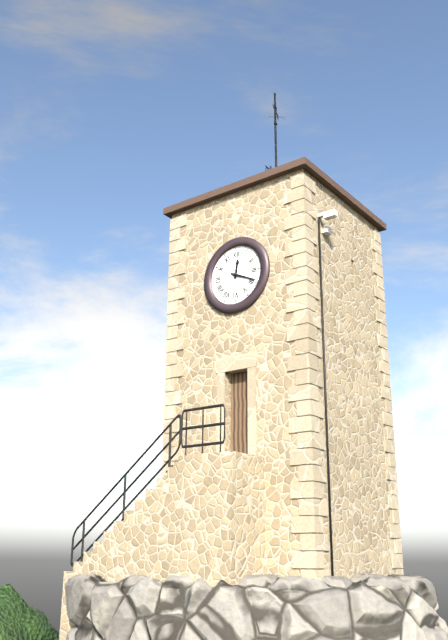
12:19
